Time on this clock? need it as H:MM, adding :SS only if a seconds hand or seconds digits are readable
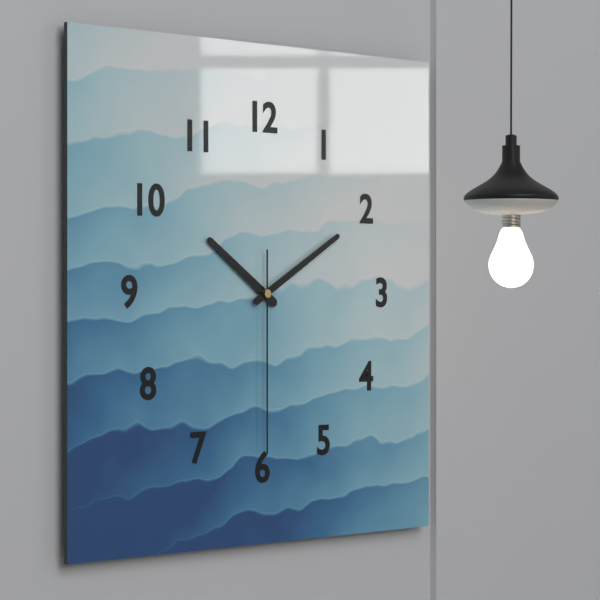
10:10:30
